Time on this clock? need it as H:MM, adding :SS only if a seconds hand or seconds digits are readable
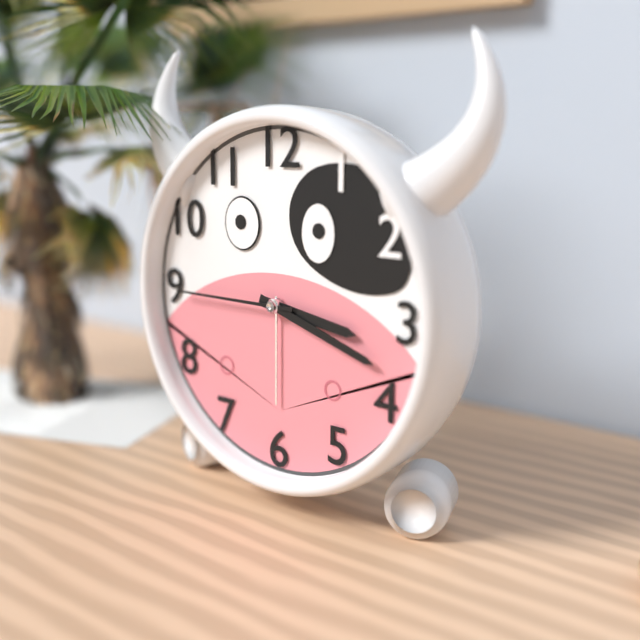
3:18:45
